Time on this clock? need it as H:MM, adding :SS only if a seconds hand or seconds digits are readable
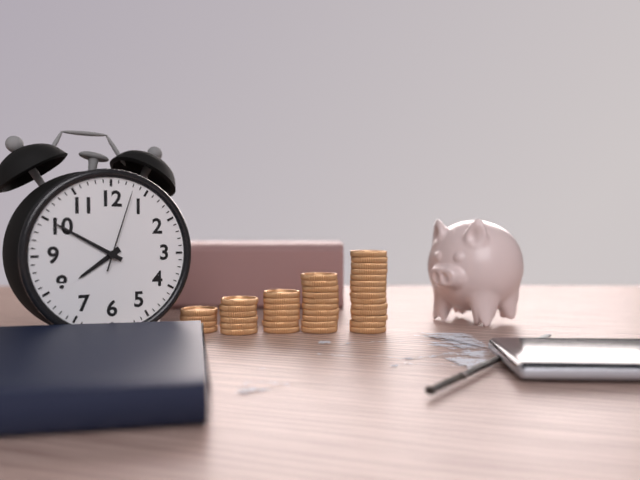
7:50:03
